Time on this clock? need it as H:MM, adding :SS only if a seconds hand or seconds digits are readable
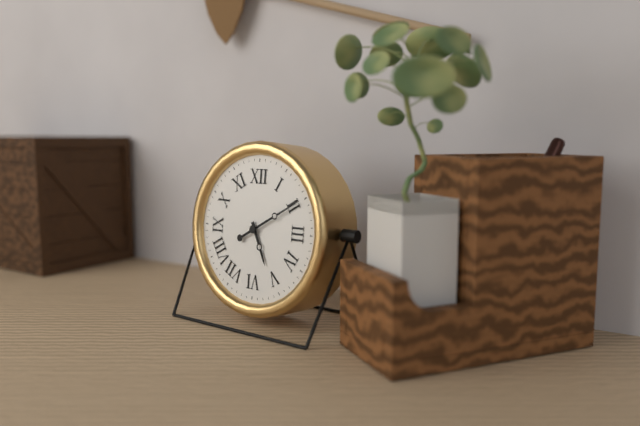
5:10
